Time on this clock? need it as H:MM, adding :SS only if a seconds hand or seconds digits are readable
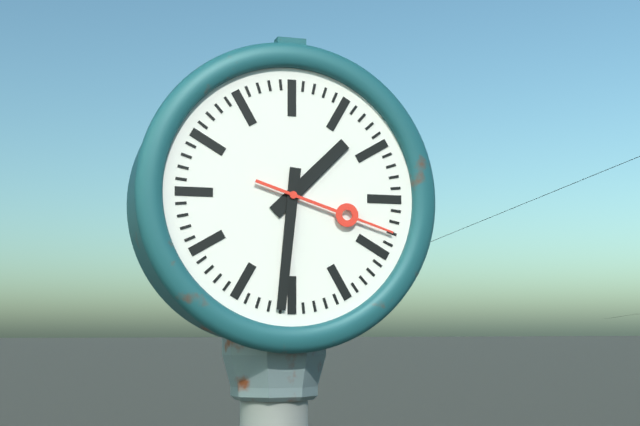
1:31:18
